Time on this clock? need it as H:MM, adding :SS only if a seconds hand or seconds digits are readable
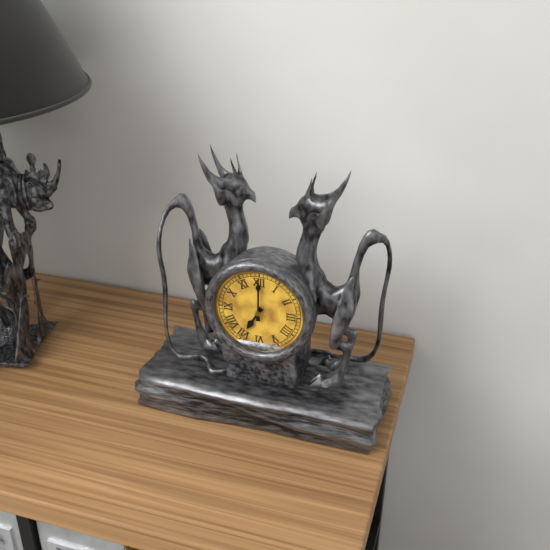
7:00
